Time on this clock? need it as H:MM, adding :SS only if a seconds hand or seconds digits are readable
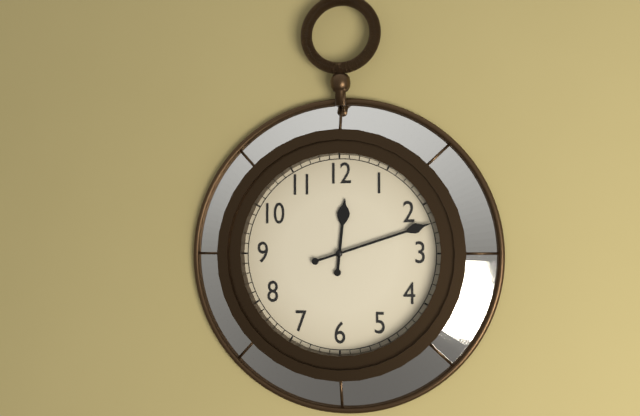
12:12
